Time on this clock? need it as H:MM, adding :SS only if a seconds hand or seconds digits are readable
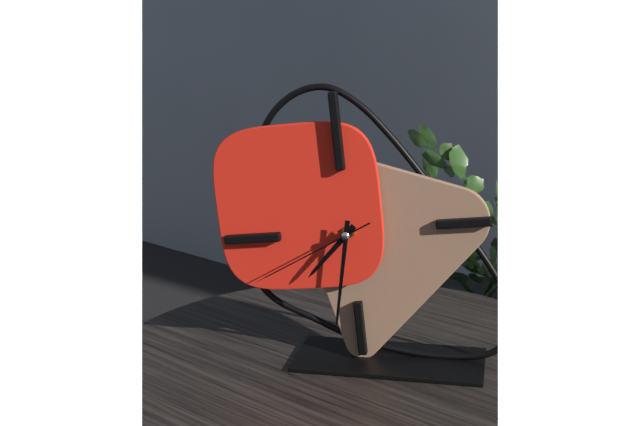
7:32:41
